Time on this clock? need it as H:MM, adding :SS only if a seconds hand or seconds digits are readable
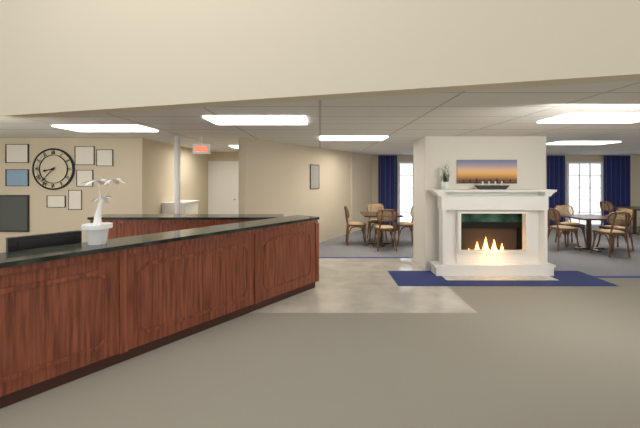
8:37
